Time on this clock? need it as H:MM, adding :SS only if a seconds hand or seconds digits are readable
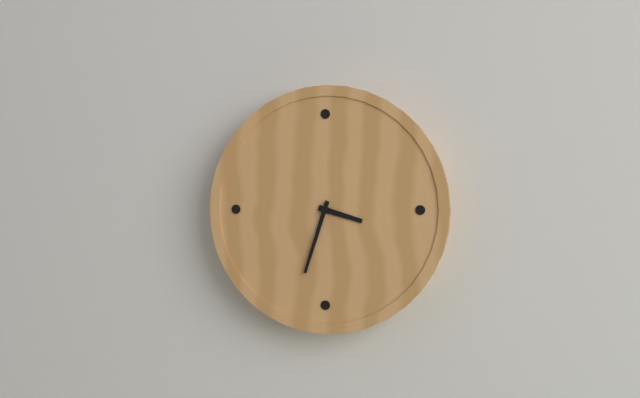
3:33
